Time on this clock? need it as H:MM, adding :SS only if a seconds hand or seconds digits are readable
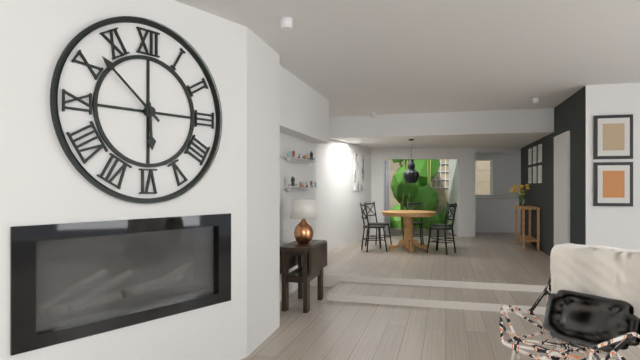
5:52
